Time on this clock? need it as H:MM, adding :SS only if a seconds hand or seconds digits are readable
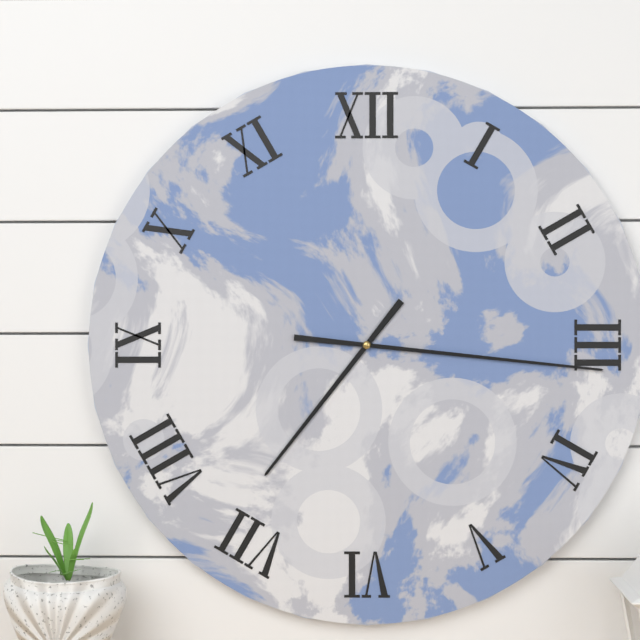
7:16
